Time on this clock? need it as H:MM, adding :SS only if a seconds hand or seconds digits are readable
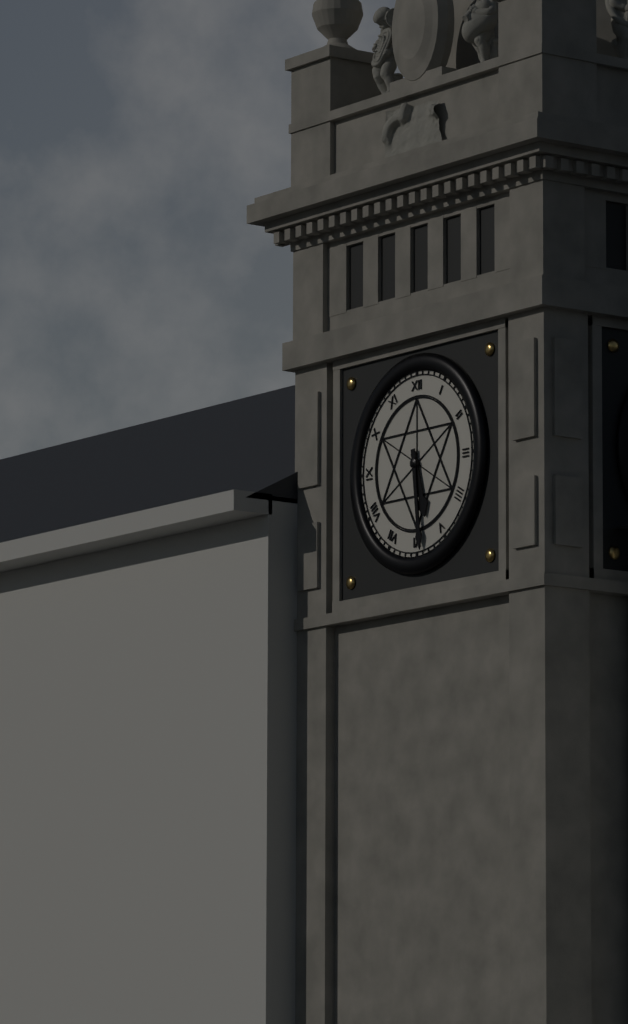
5:29
